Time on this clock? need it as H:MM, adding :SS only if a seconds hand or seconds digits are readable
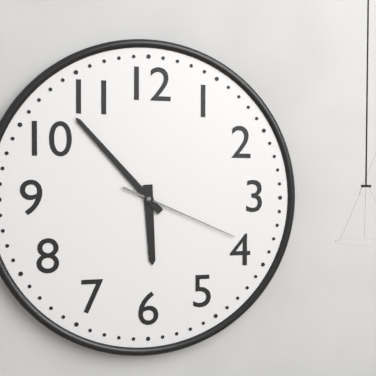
5:53:19
